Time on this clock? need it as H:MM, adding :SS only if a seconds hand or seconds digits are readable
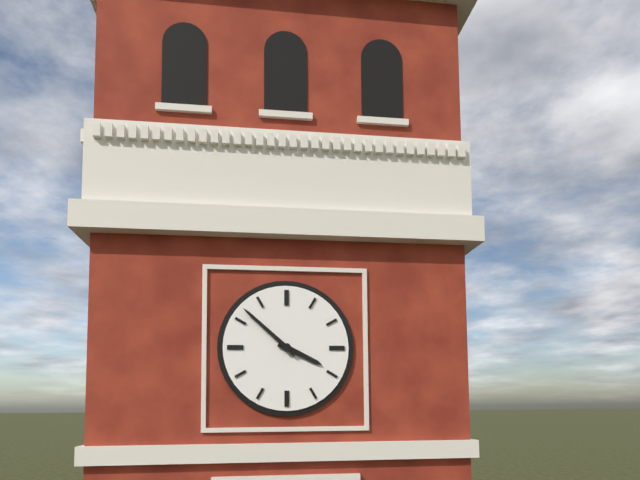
3:52
